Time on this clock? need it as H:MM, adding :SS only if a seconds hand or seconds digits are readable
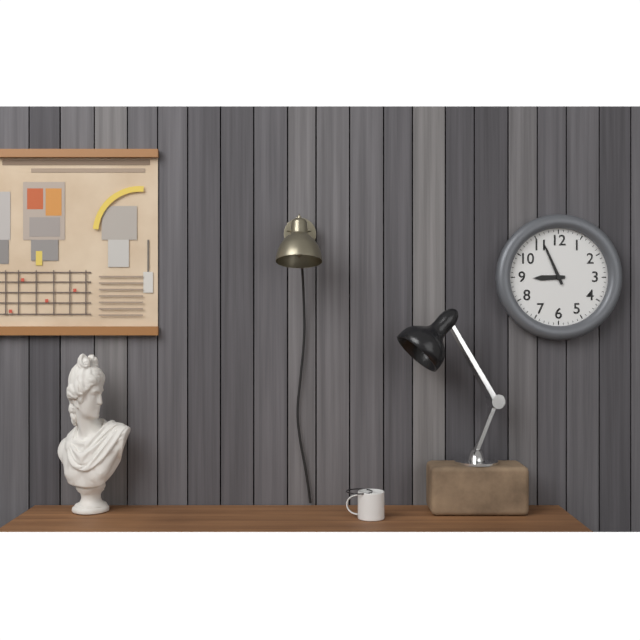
8:56
